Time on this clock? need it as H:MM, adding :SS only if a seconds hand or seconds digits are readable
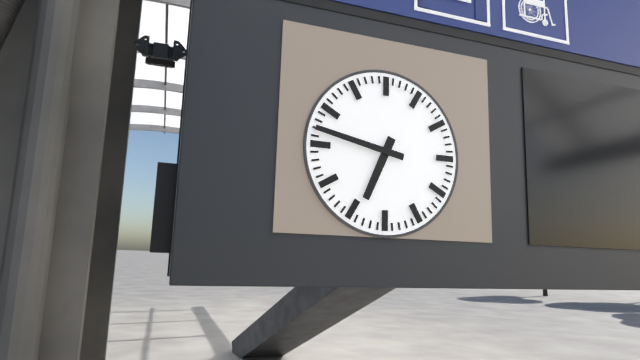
6:47
